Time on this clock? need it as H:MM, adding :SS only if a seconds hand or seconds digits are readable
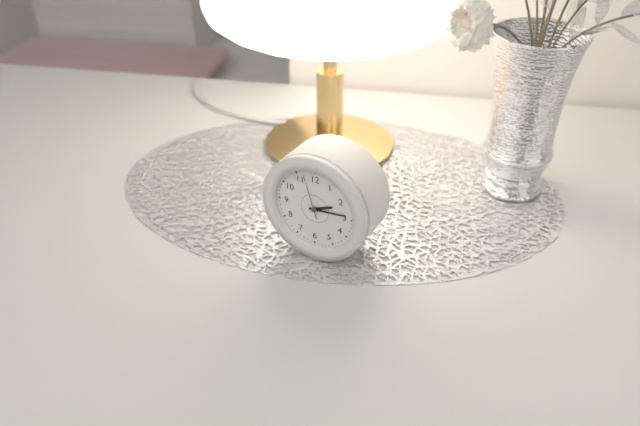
2:14
